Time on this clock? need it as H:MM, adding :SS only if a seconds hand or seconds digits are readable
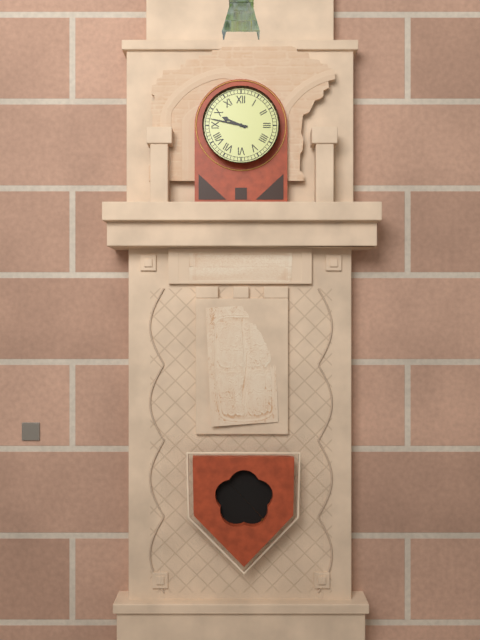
9:47
